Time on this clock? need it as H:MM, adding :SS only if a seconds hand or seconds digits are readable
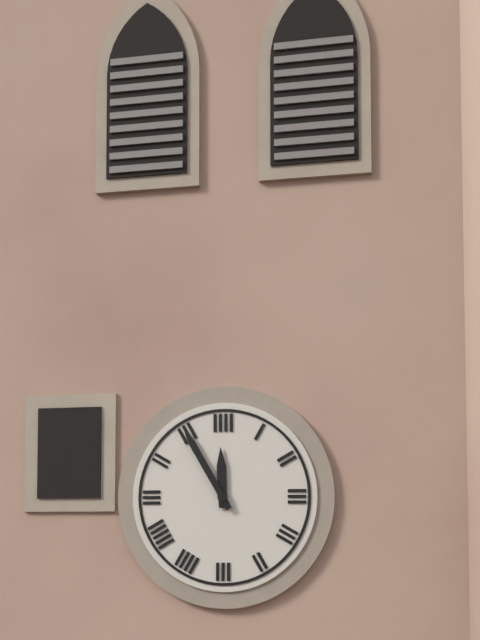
11:55
